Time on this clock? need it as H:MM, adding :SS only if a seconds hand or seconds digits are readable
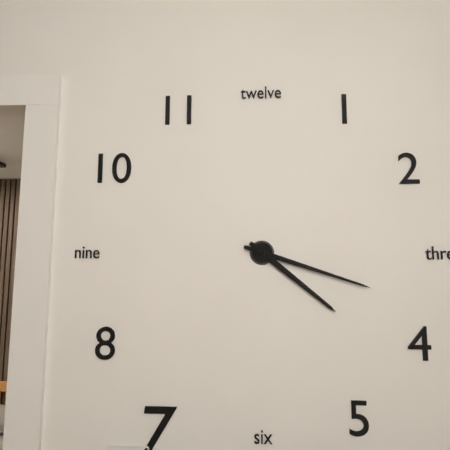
4:18
